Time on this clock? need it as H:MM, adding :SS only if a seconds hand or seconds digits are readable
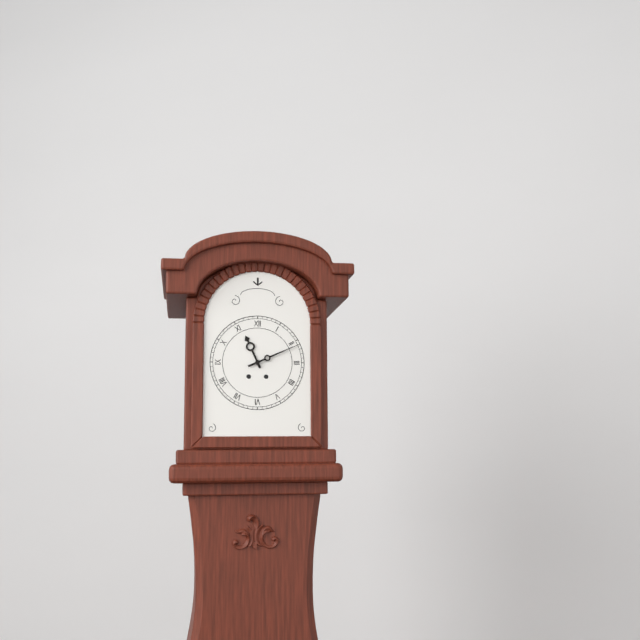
11:11
